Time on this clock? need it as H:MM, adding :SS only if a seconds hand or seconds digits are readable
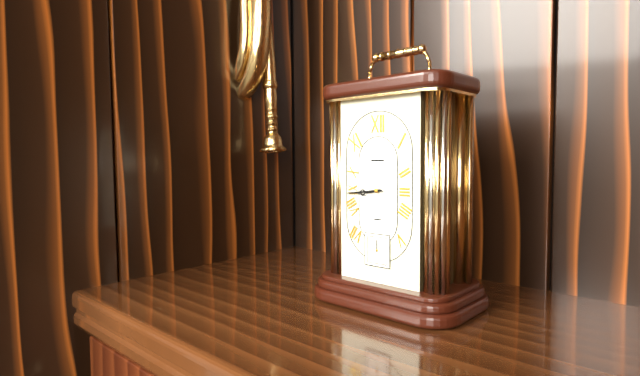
8:44
